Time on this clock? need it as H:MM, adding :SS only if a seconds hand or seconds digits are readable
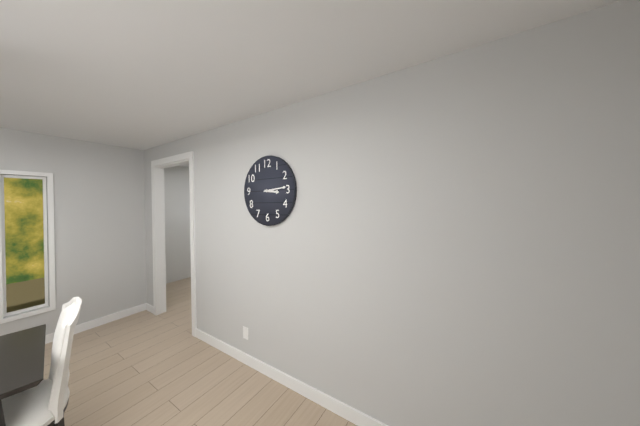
3:14
